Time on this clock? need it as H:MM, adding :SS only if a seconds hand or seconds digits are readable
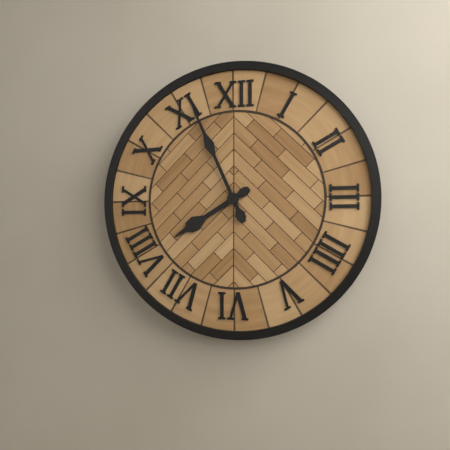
7:56
